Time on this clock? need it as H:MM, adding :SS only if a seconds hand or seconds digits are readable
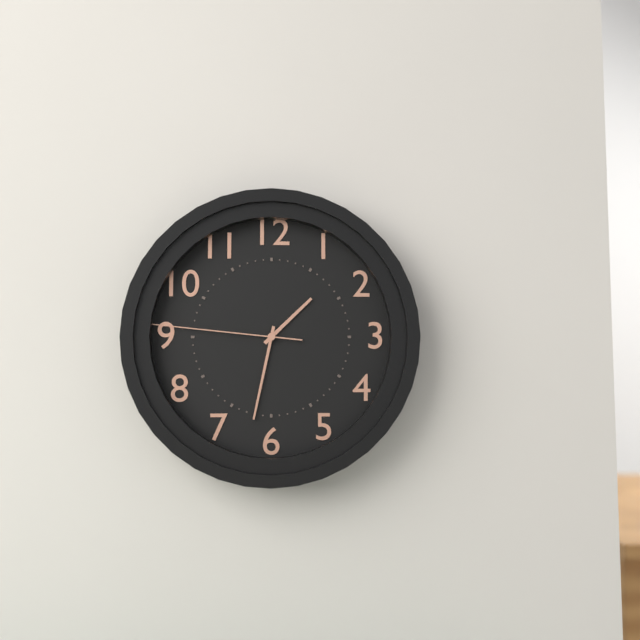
1:32:46
